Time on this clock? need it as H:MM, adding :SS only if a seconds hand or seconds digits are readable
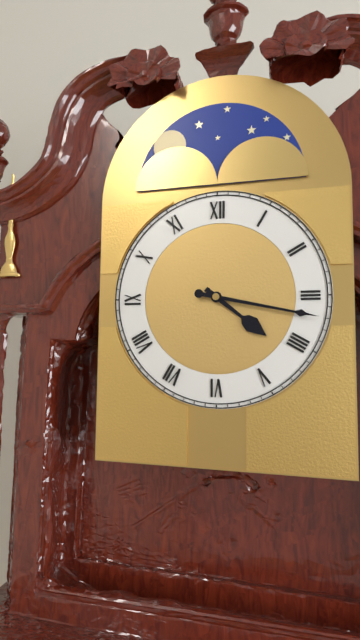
4:17
